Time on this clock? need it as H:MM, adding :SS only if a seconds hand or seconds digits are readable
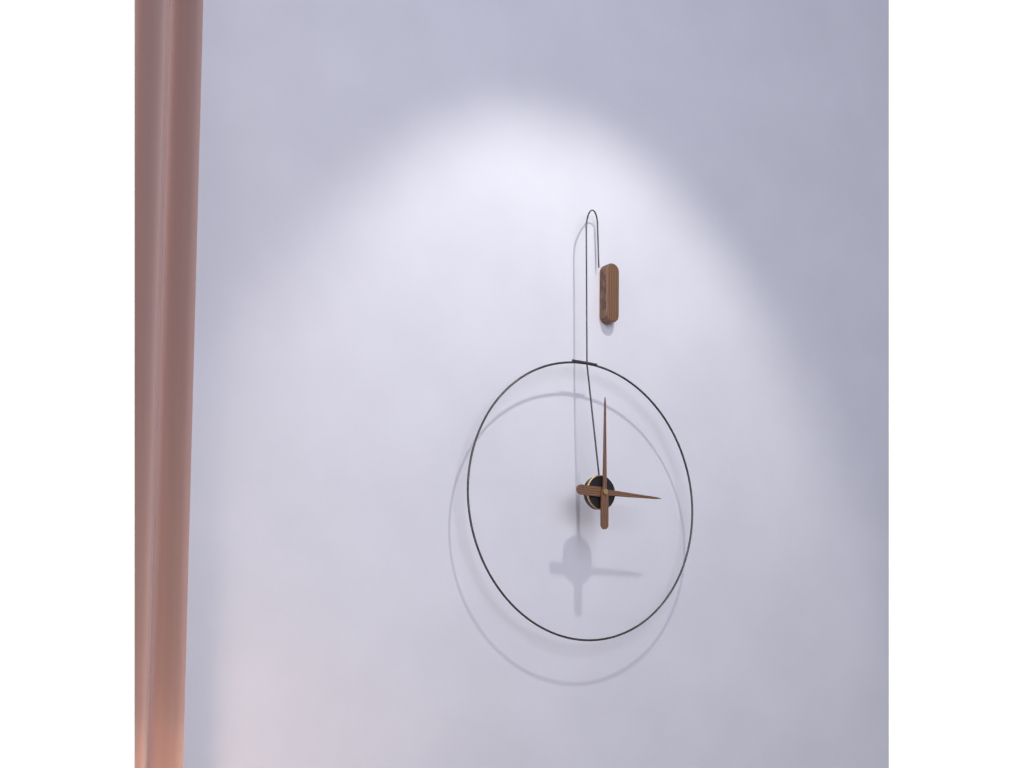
3:00
